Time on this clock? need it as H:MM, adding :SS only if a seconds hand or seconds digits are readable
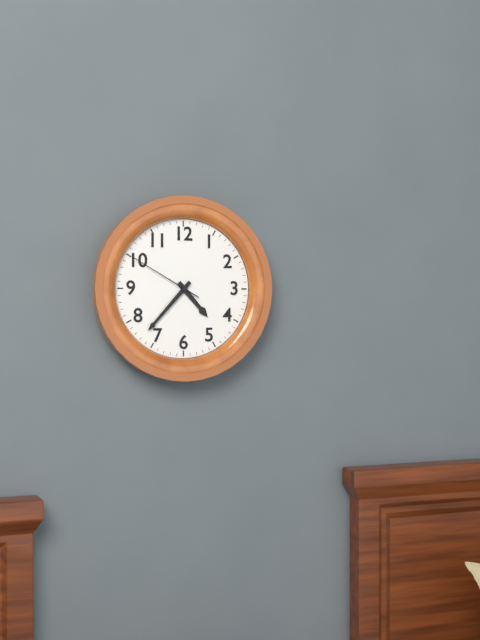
4:37:50
